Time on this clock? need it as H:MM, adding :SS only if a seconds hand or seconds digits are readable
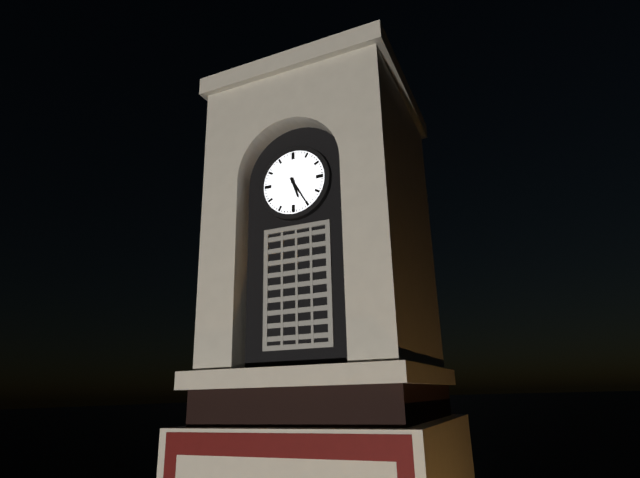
5:25
